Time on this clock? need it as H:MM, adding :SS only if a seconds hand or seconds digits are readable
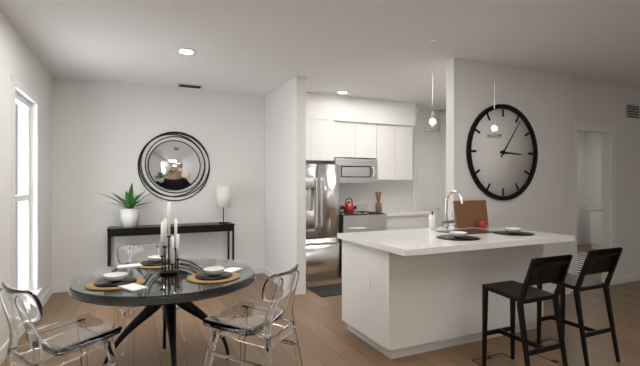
3:06
